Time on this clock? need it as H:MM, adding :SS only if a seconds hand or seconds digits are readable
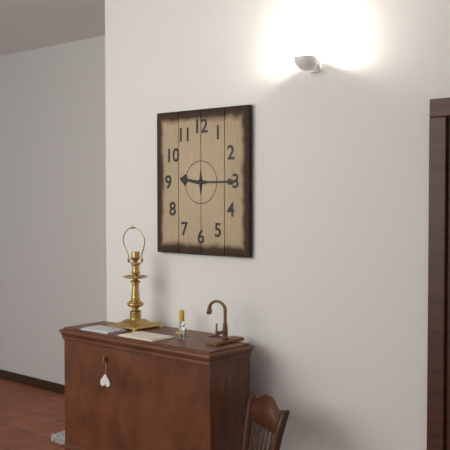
9:15
